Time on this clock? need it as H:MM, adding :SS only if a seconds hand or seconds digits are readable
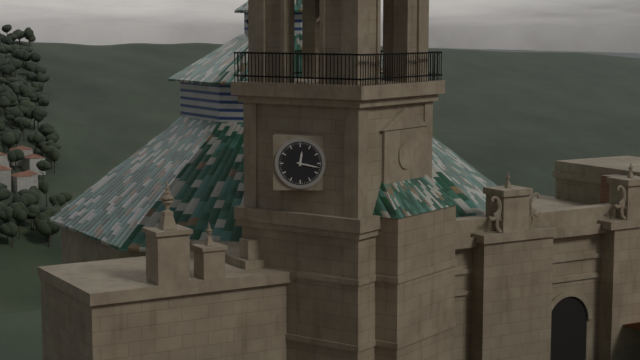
12:17
